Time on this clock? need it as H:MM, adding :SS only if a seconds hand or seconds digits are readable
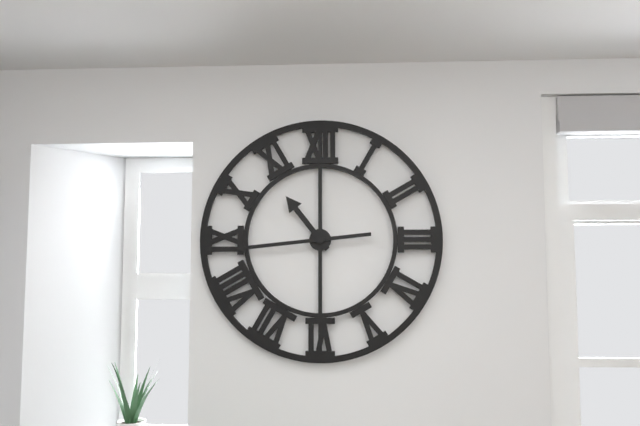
10:44
